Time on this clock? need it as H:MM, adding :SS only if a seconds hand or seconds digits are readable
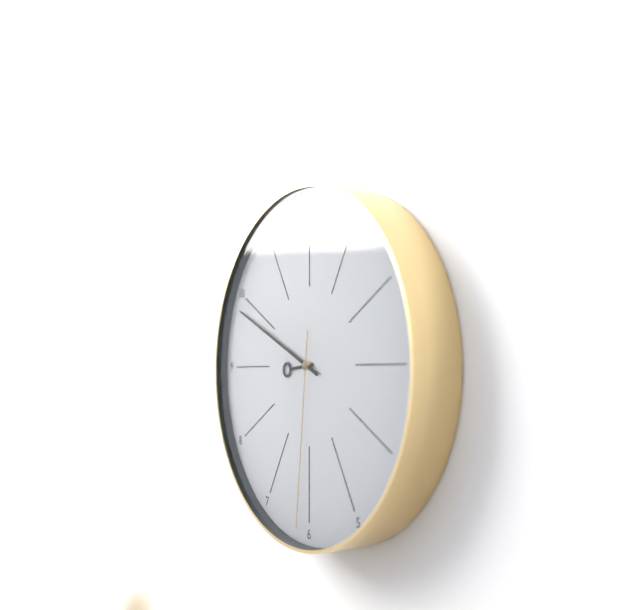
8:49:31
